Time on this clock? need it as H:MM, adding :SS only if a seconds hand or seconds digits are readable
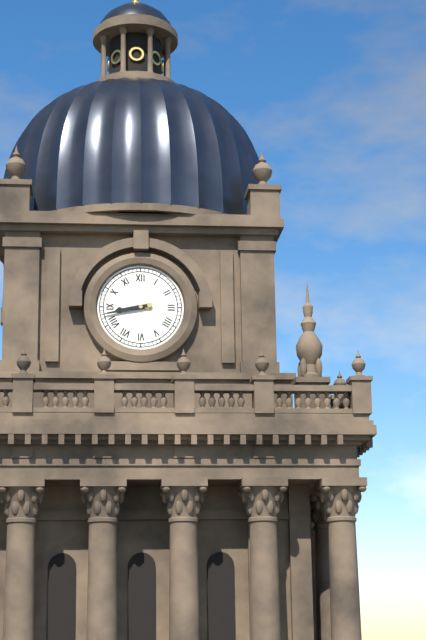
8:43
